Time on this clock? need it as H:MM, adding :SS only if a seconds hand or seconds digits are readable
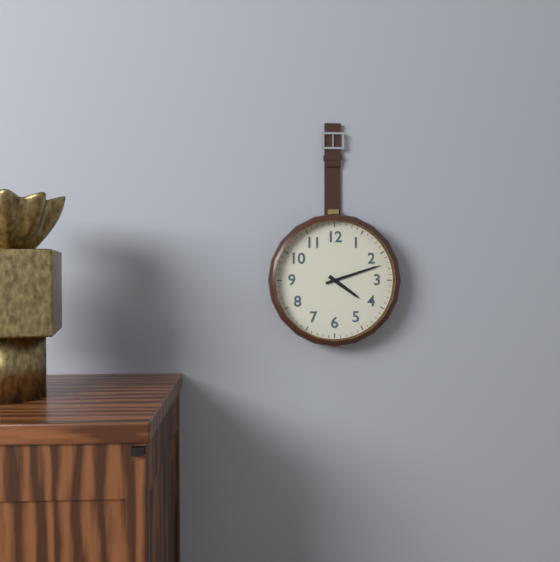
4:12
